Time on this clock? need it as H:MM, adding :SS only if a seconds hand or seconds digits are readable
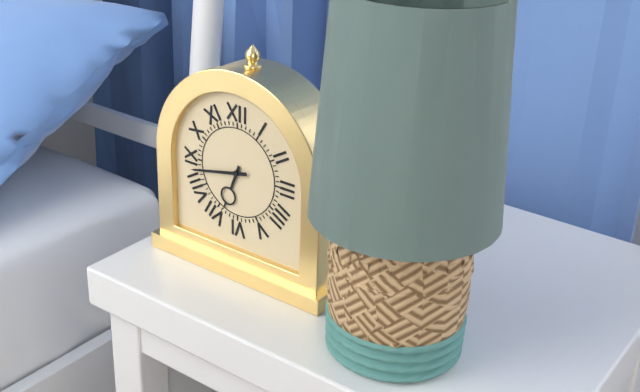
6:43
